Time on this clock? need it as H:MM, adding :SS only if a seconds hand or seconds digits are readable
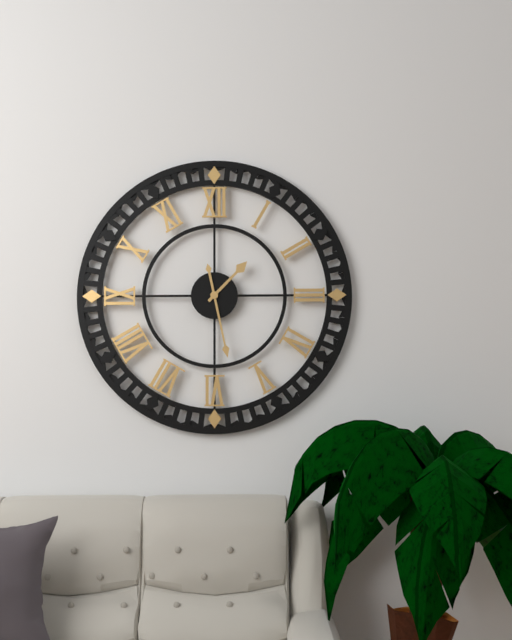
1:28
